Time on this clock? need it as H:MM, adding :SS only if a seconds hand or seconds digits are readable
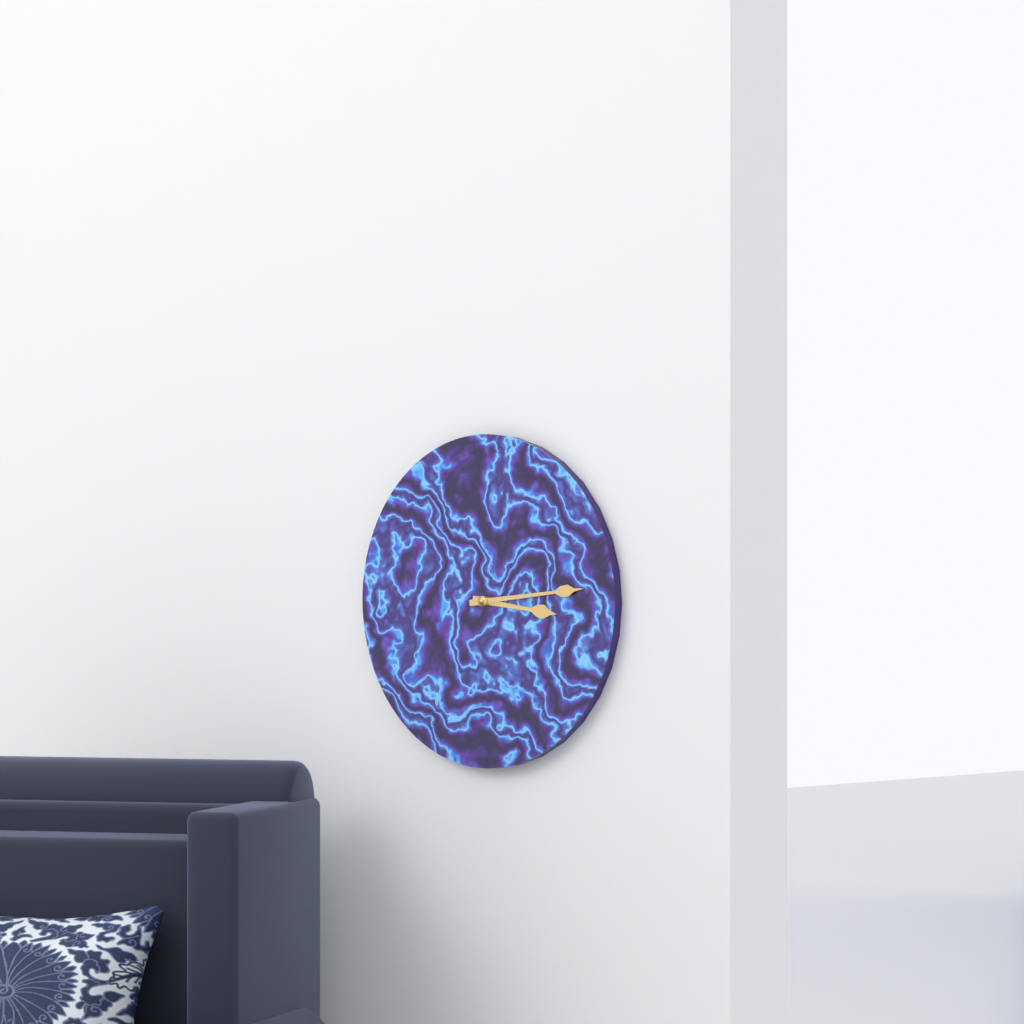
3:14
